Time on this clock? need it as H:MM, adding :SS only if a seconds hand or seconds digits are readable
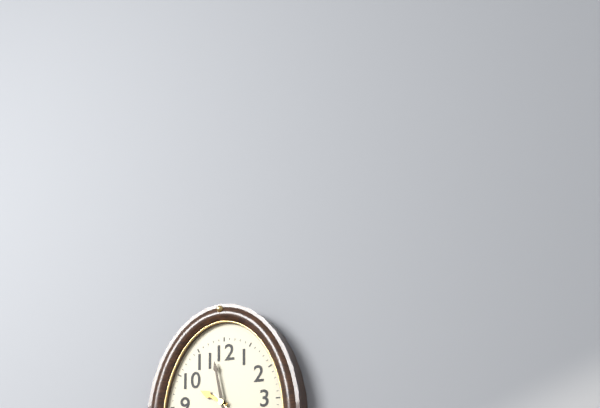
9:58
